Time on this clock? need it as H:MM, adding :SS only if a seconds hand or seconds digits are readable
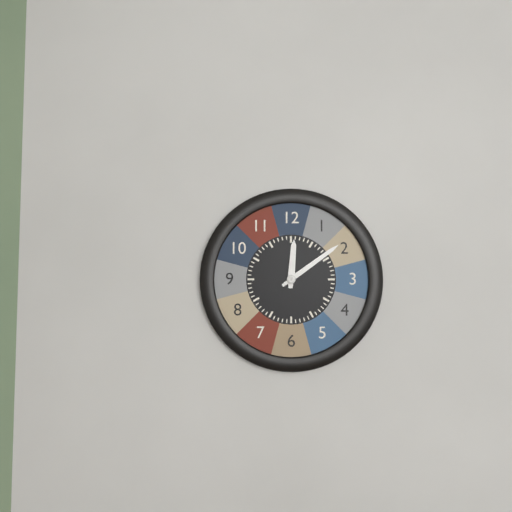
12:09
